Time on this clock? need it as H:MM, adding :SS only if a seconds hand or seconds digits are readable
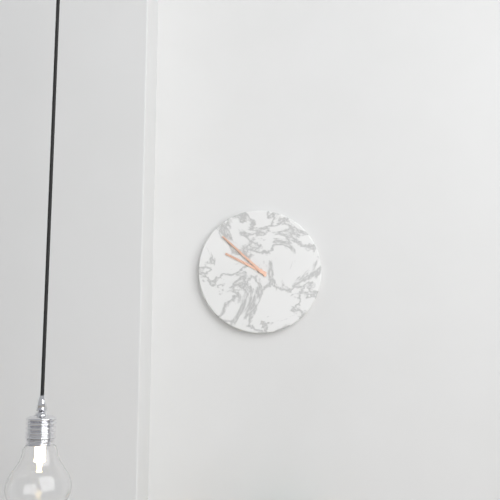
9:52
